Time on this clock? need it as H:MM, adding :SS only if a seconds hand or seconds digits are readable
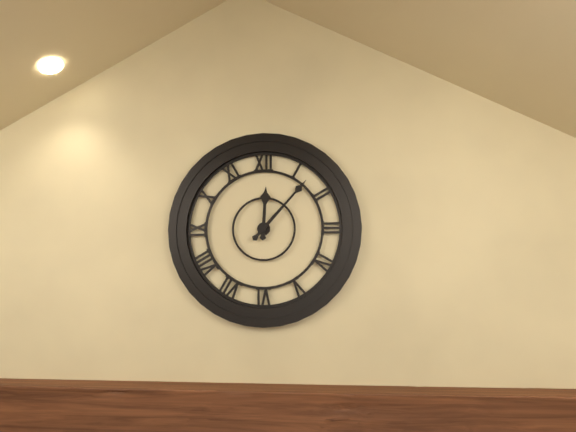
12:07
